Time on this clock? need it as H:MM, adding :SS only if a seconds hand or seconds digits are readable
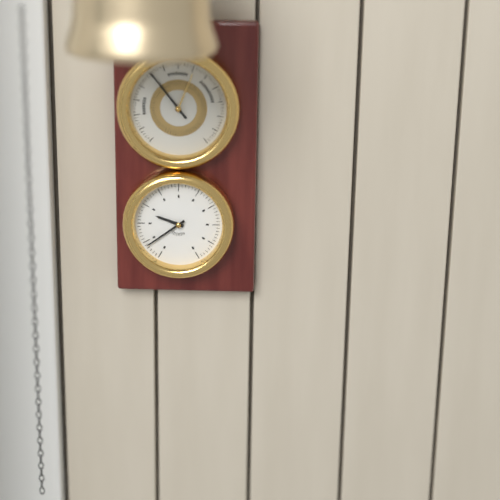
9:39
